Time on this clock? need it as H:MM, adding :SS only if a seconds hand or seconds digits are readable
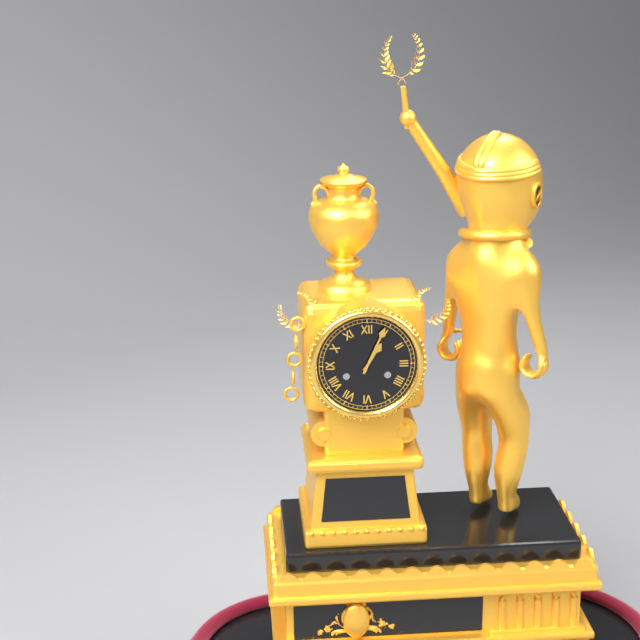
1:04
